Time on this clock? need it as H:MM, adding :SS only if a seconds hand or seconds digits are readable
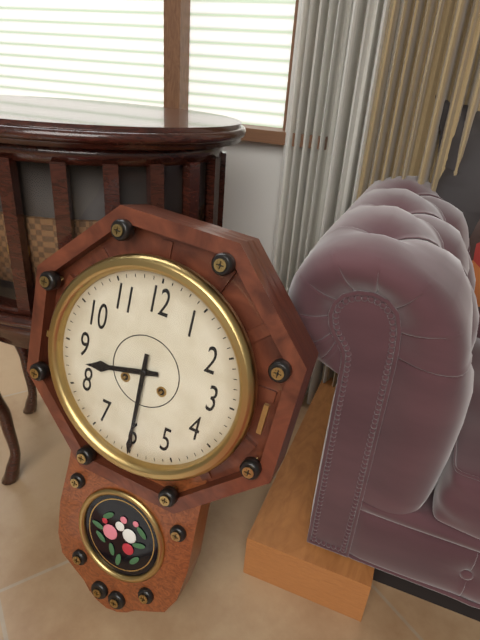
8:30
